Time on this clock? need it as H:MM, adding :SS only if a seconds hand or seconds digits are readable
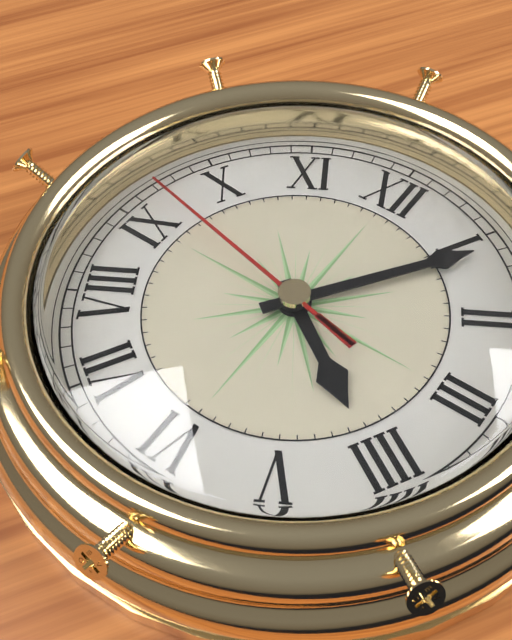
4:06:47
